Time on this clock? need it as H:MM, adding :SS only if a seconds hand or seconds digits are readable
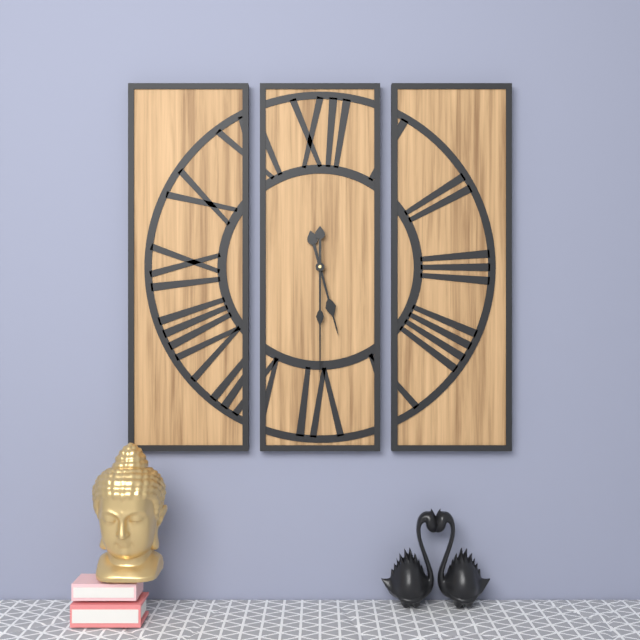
5:30
